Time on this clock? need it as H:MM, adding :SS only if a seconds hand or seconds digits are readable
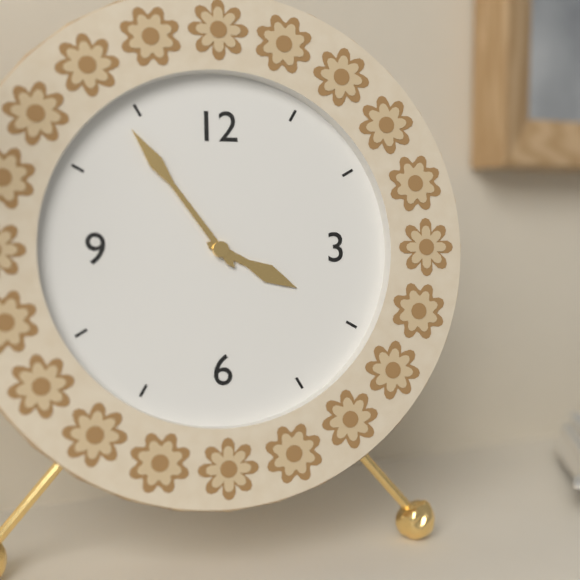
3:54
